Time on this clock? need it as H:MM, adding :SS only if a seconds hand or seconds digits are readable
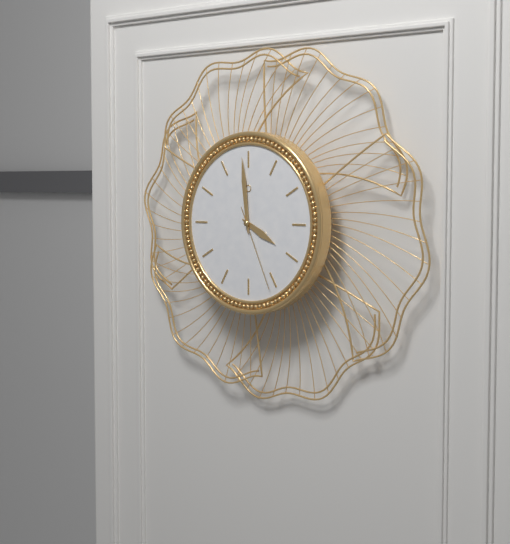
3:59:26
